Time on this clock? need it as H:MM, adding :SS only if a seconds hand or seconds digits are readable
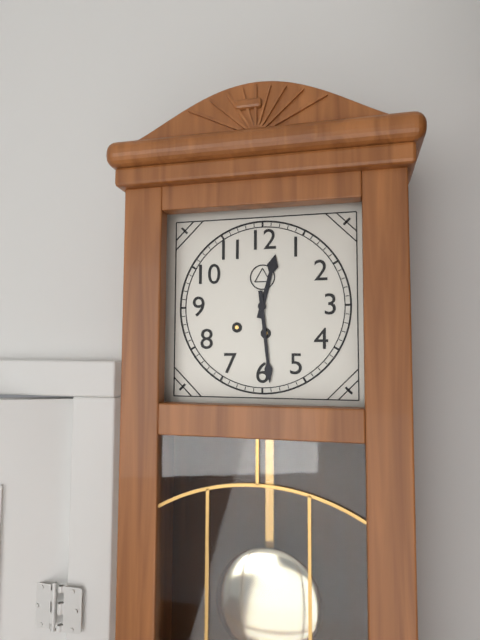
12:29
